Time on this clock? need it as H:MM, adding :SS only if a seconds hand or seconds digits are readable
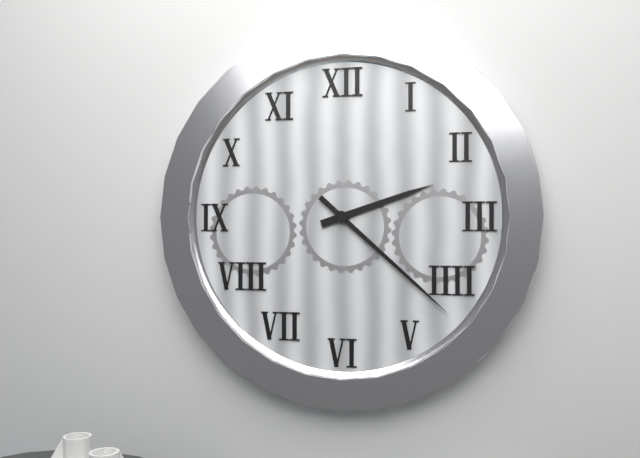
2:22
